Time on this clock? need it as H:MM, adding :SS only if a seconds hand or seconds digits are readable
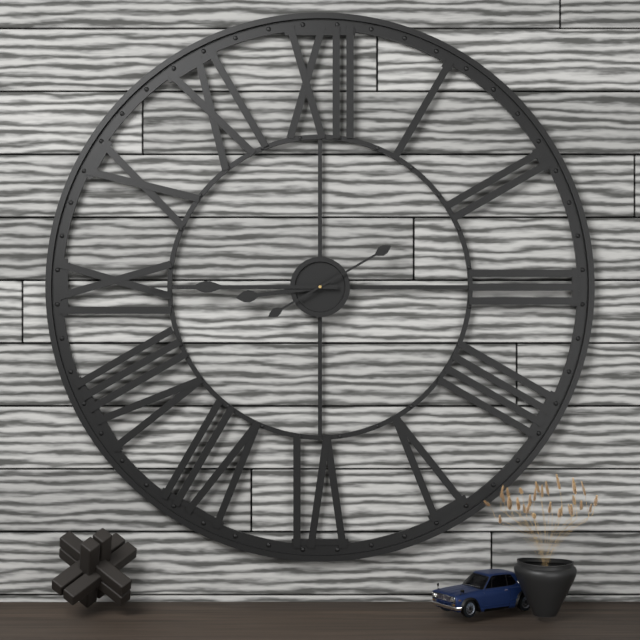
8:45:10
